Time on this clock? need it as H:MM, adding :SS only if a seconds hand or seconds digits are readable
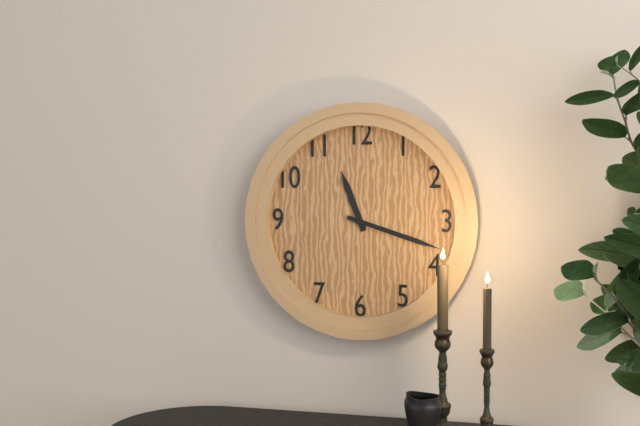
11:18
